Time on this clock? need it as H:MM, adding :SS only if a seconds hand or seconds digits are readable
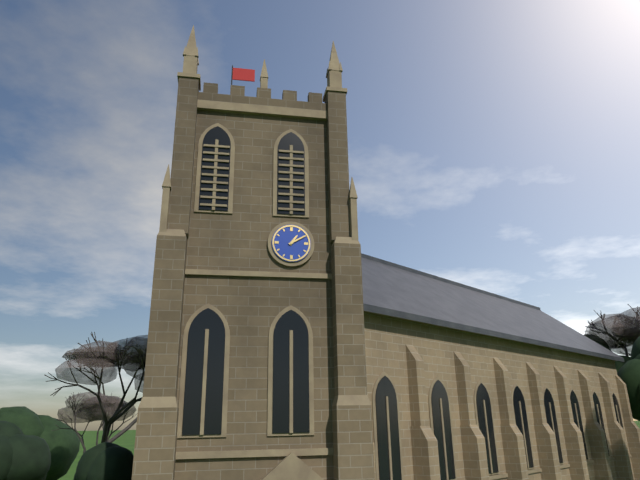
1:10
